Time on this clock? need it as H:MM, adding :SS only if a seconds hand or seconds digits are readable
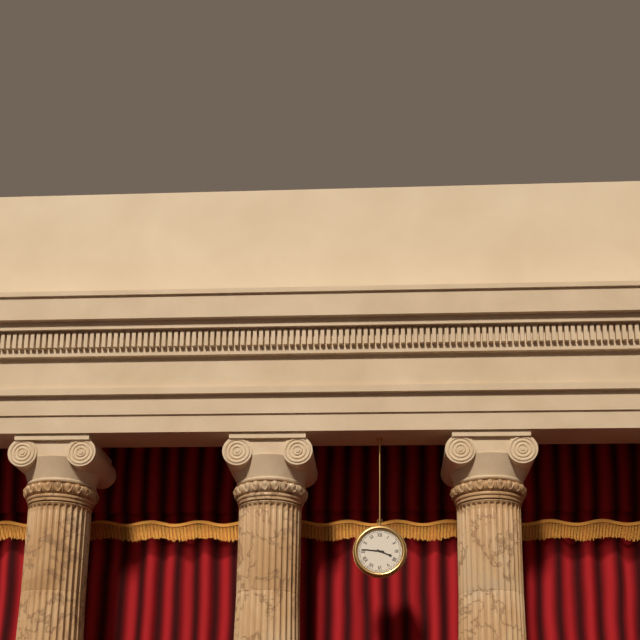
3:46
